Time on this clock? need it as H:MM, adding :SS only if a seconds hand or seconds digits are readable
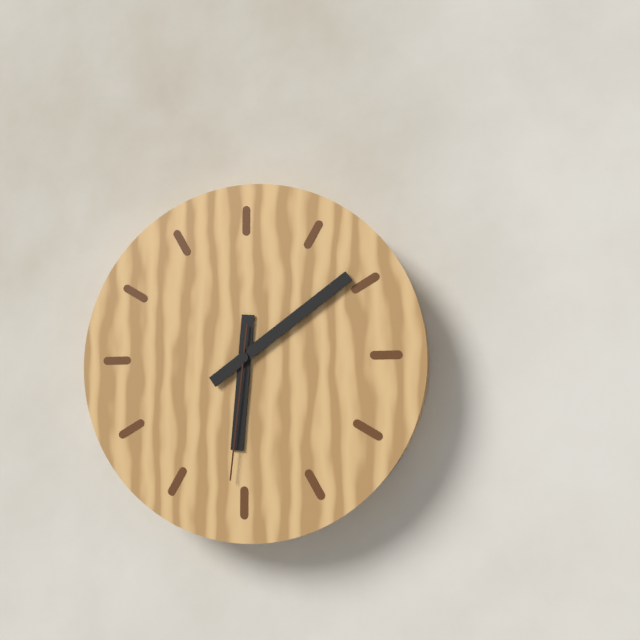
6:09:31
